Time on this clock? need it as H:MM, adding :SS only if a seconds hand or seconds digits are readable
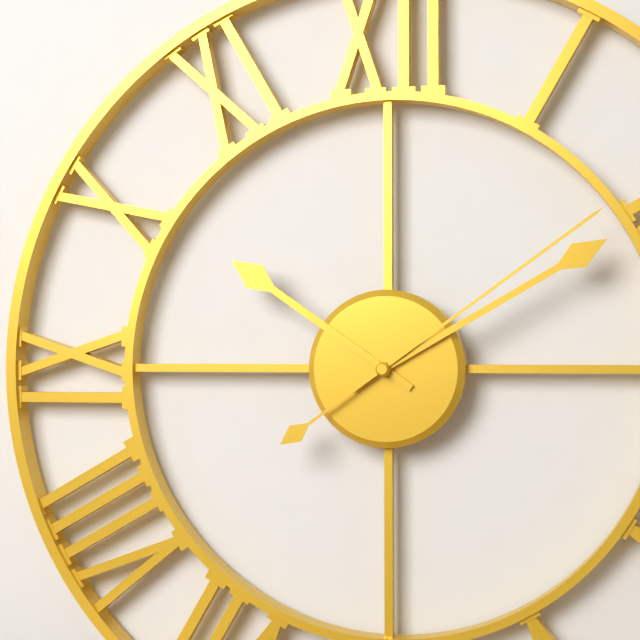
10:10:09
